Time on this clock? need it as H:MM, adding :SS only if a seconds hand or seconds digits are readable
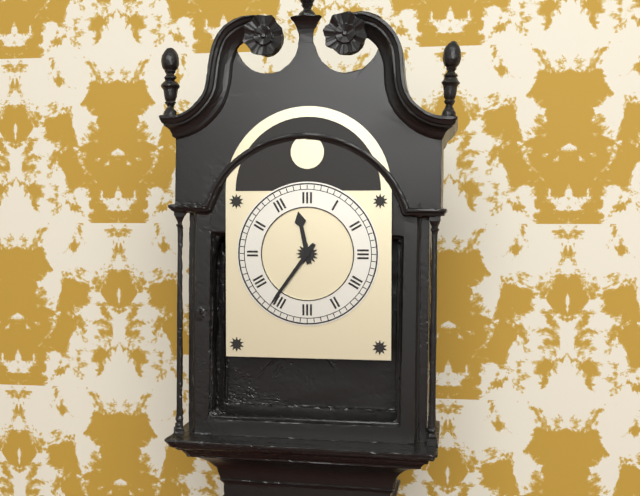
11:36
